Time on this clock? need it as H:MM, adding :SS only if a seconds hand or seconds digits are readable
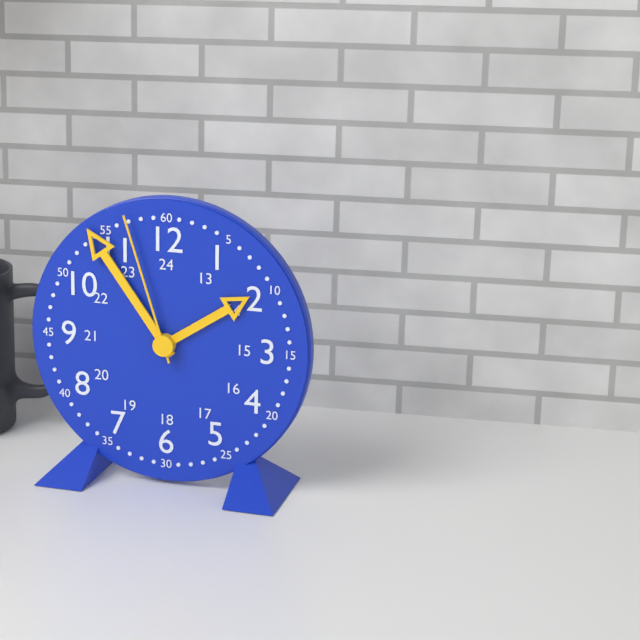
1:54:57
